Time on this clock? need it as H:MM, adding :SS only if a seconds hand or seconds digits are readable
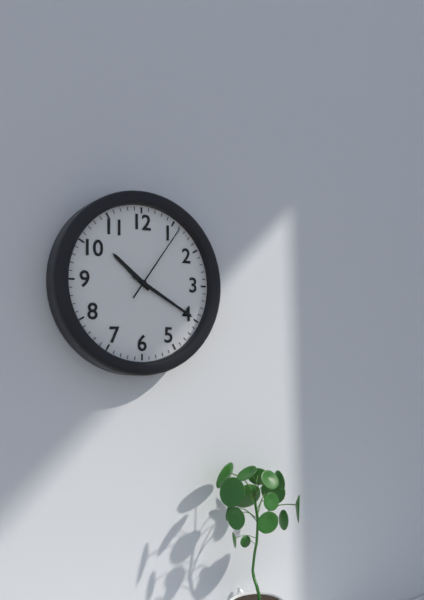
10:20:06
